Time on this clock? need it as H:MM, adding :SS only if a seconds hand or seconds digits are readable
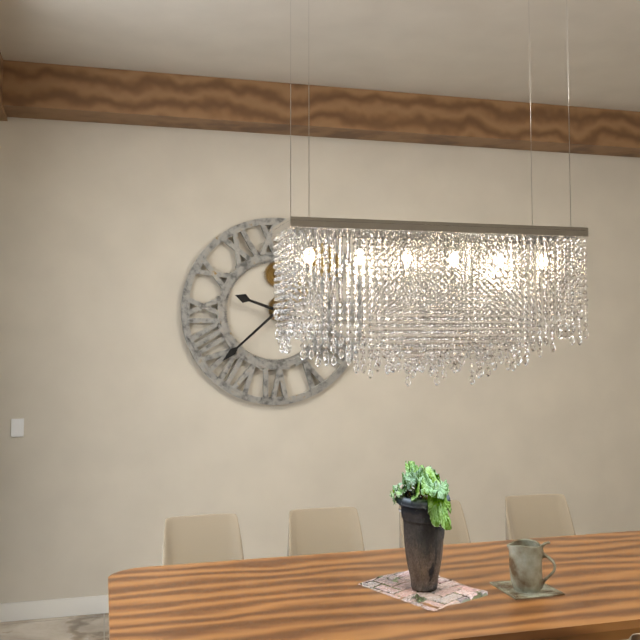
9:38
